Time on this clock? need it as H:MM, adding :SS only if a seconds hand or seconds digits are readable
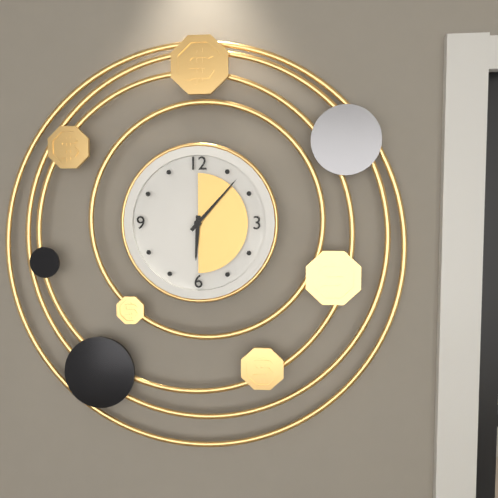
6:07
